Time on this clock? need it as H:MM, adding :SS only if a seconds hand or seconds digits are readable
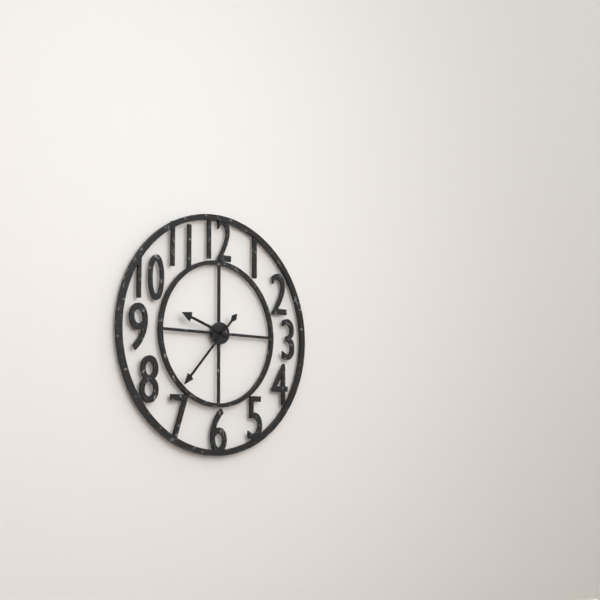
9:37
